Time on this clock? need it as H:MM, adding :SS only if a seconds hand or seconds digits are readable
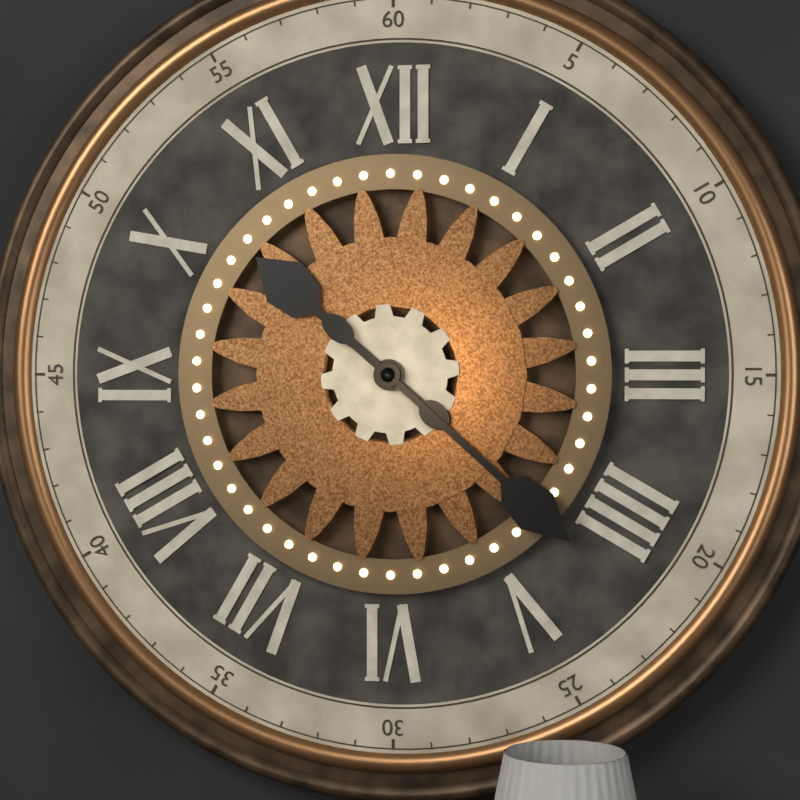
10:22
